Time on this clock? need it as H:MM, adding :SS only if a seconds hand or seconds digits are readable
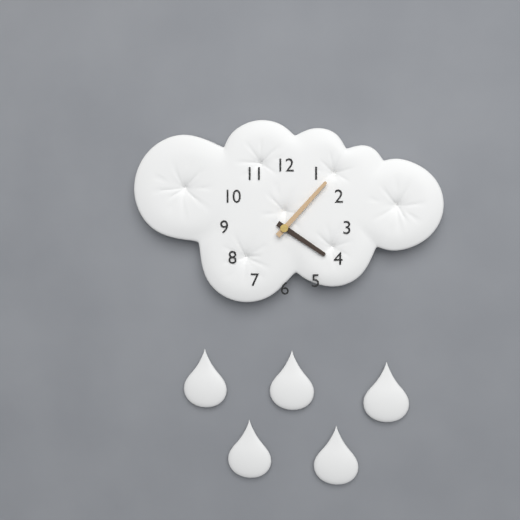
4:07
